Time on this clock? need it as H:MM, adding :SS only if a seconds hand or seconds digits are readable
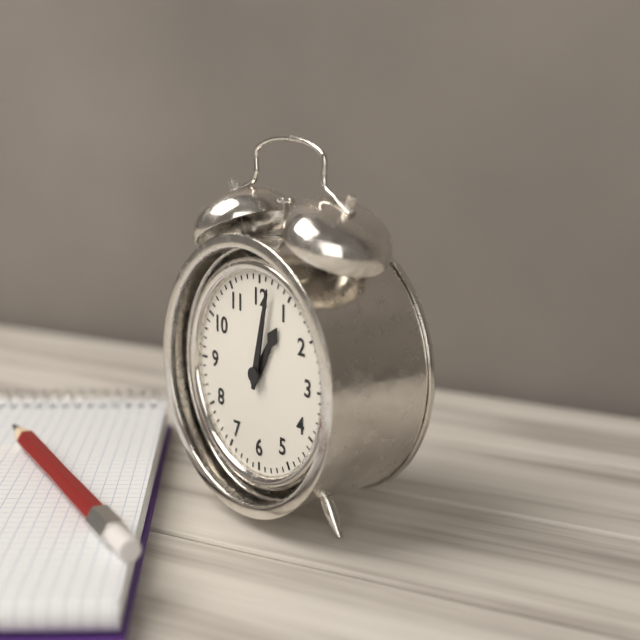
1:02
